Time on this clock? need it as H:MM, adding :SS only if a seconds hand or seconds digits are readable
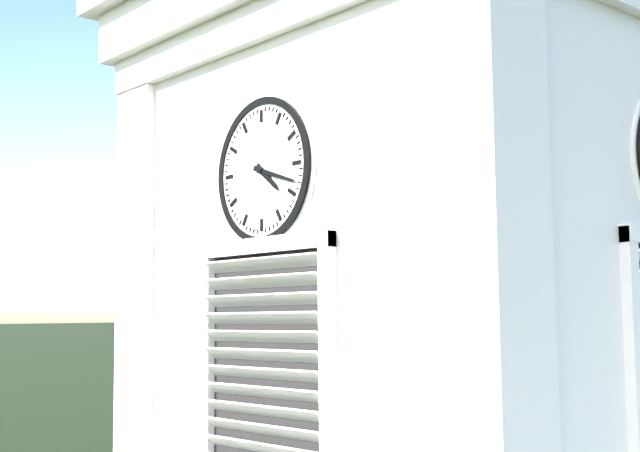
4:18
